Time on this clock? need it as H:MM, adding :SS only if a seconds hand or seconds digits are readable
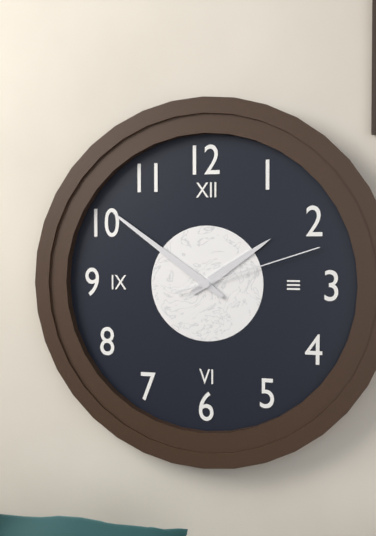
1:51:12
